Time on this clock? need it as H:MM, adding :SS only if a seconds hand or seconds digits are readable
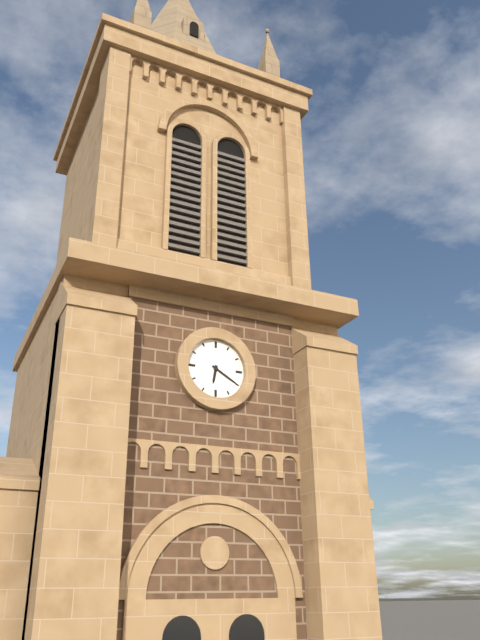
6:20
